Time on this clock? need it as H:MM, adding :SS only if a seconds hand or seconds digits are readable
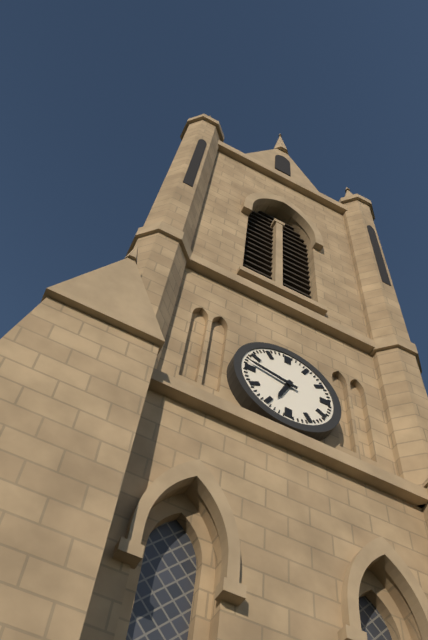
6:47
